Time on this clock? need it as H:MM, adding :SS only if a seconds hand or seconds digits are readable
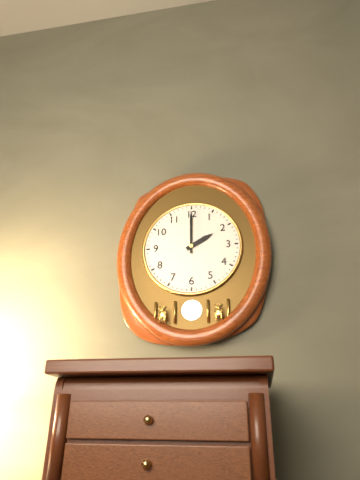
2:00
